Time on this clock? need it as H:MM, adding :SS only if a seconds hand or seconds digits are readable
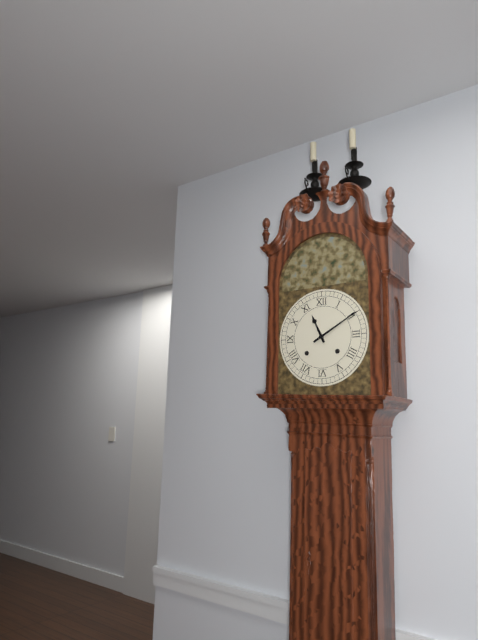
11:10
